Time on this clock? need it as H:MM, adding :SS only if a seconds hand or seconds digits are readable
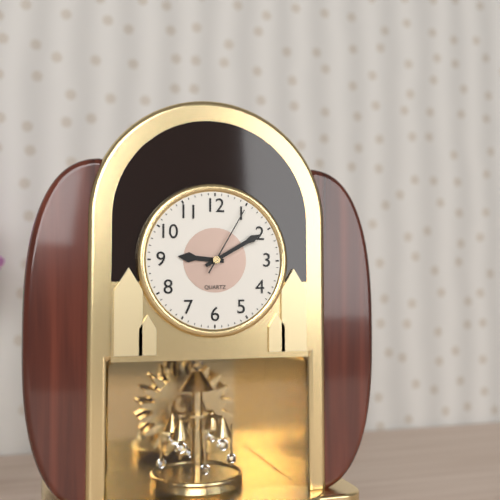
9:10:05
